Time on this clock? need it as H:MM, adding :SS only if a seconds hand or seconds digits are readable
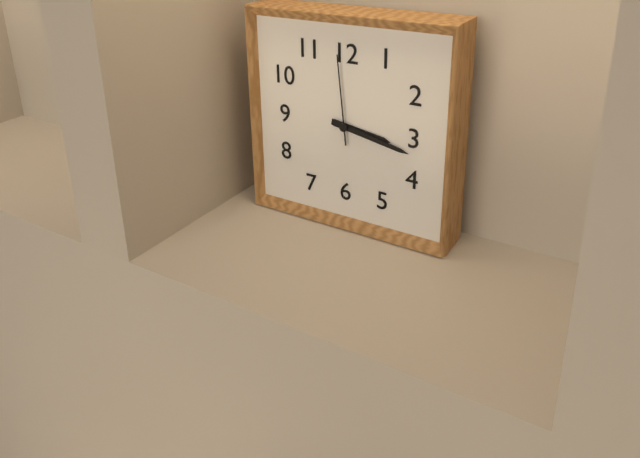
3:17:59
